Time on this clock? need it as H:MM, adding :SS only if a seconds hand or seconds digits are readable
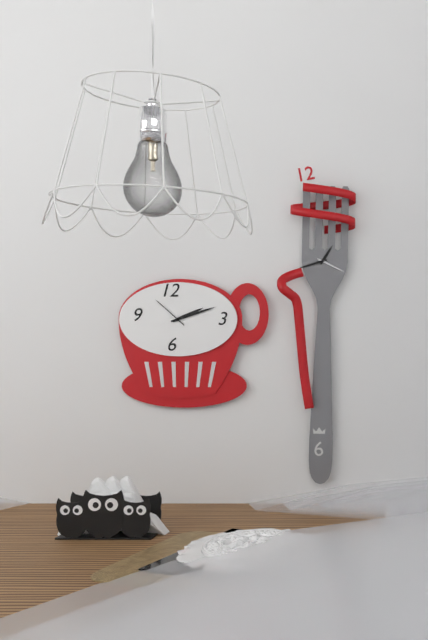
2:12
